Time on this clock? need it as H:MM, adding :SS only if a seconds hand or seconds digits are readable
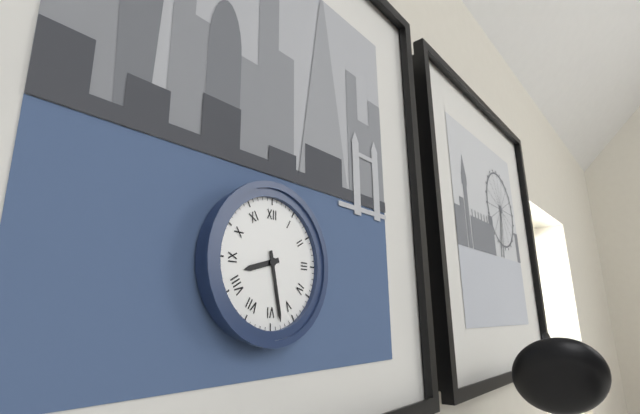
8:28
